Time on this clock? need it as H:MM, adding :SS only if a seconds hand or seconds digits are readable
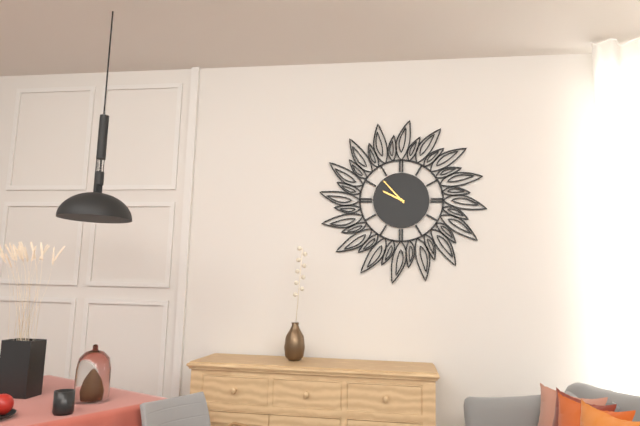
9:53
